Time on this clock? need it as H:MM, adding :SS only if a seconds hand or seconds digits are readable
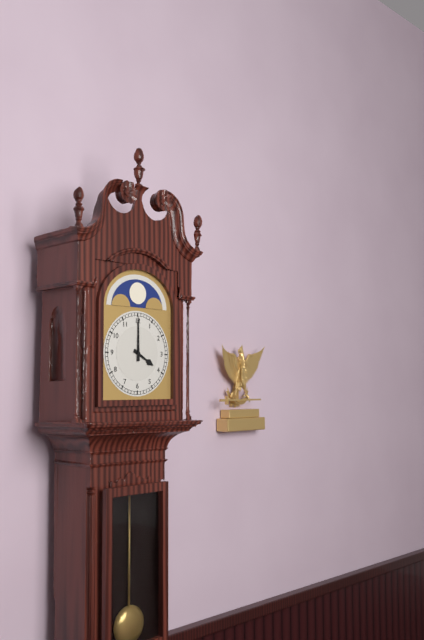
4:00
